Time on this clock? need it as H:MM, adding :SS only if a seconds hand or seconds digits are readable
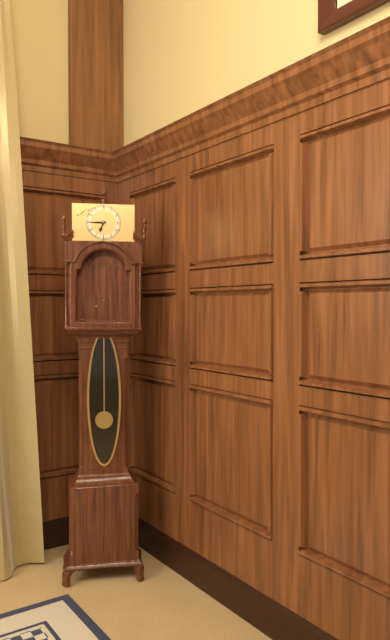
6:45
